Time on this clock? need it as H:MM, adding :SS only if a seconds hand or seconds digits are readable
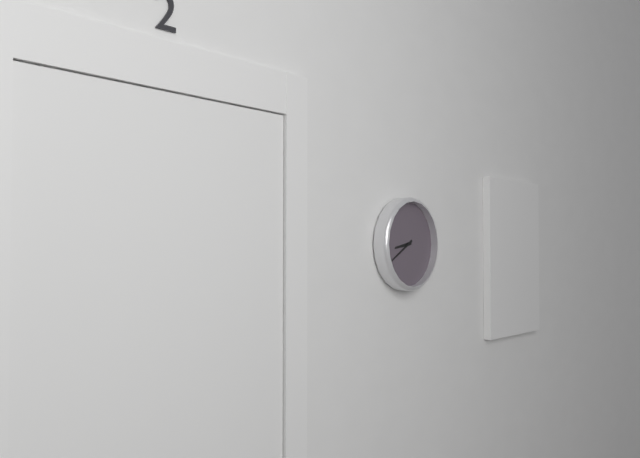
8:40
